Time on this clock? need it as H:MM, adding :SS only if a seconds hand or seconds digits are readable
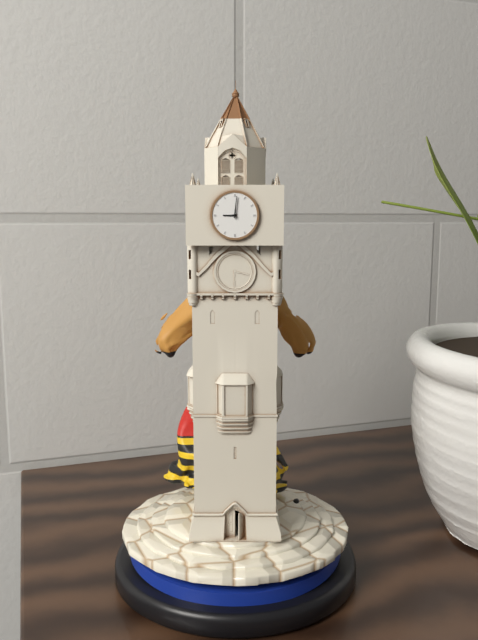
9:01
